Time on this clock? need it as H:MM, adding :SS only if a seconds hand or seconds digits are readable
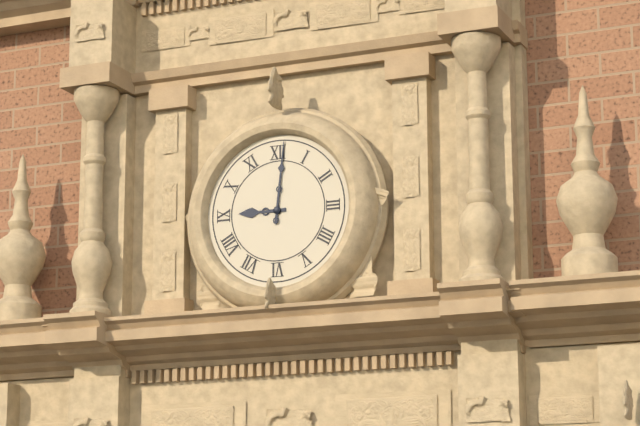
9:01
